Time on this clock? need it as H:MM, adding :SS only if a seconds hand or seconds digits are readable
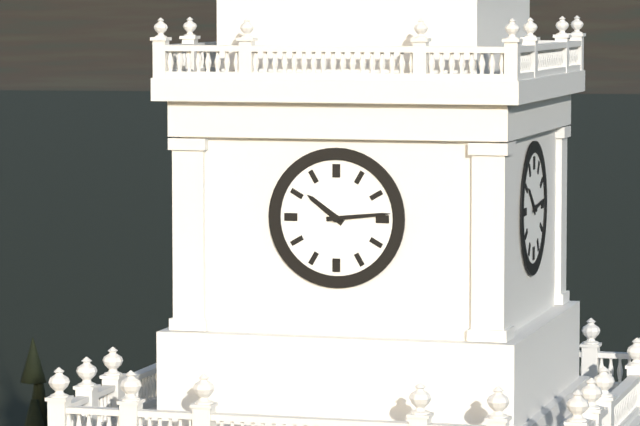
10:14
